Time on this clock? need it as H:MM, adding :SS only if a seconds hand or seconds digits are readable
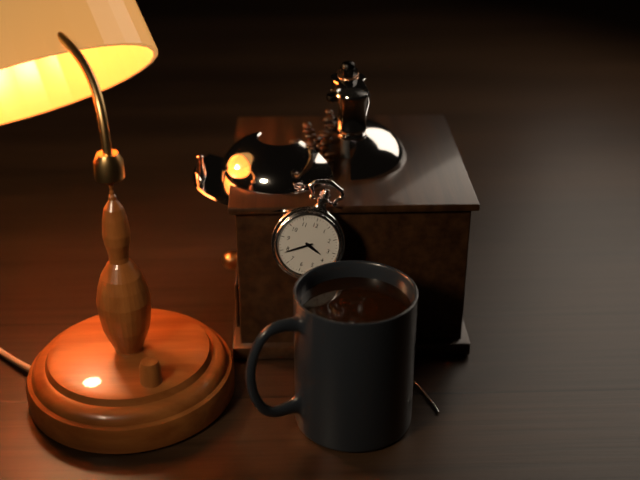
3:39
